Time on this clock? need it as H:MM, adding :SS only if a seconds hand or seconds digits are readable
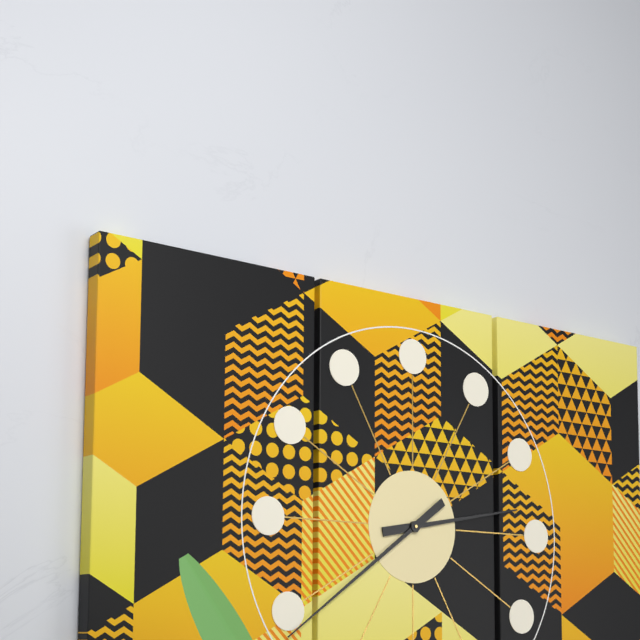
2:39
